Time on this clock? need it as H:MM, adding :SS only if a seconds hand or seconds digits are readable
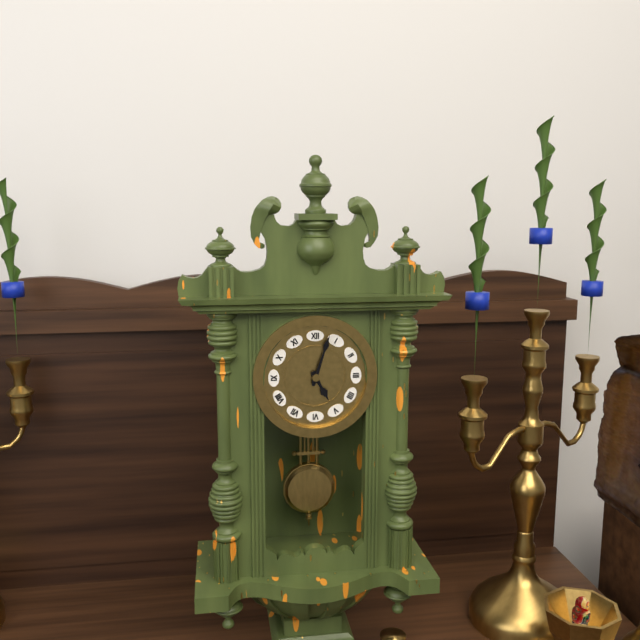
5:03
